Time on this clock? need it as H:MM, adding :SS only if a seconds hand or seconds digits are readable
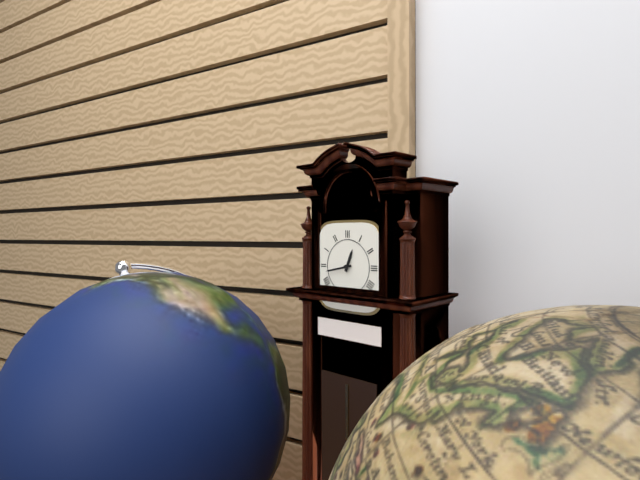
12:43
